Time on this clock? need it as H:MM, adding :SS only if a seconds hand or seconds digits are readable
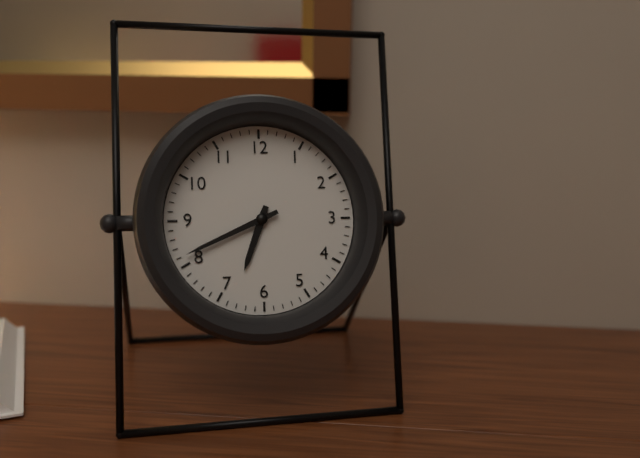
6:41
